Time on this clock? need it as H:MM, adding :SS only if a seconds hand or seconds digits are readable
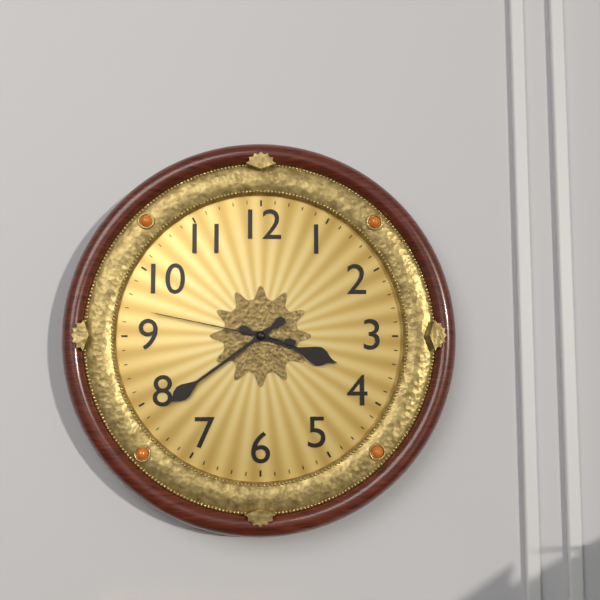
3:39:47
